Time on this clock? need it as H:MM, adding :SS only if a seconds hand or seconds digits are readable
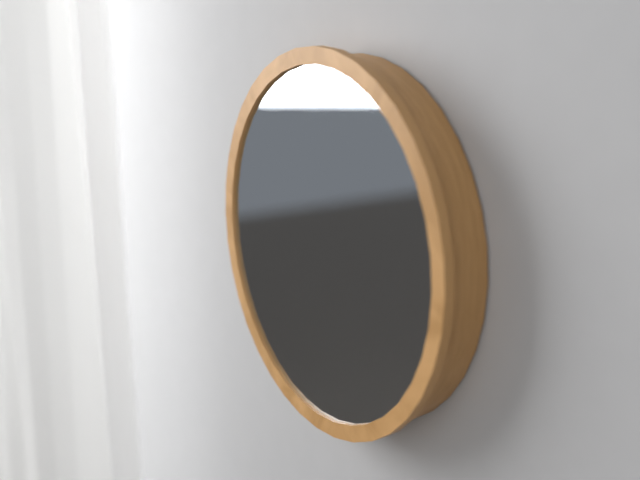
9:00
